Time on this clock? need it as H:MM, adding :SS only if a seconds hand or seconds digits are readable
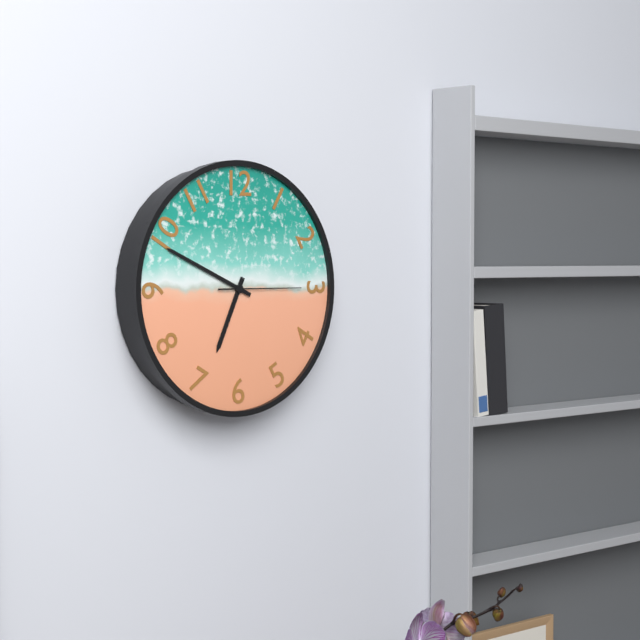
6:49:15
